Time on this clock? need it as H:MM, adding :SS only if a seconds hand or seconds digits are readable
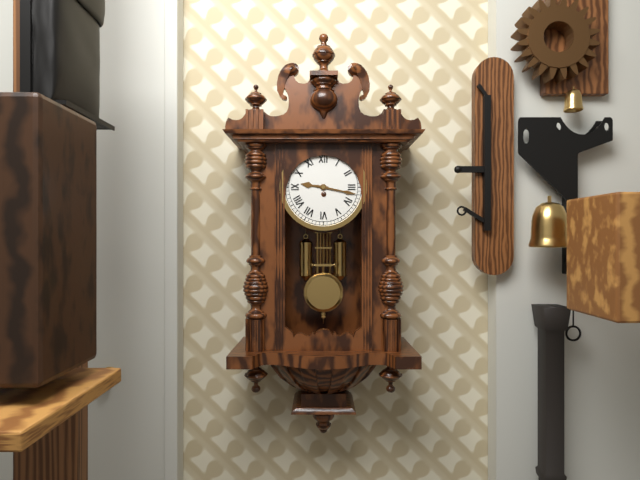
9:17
